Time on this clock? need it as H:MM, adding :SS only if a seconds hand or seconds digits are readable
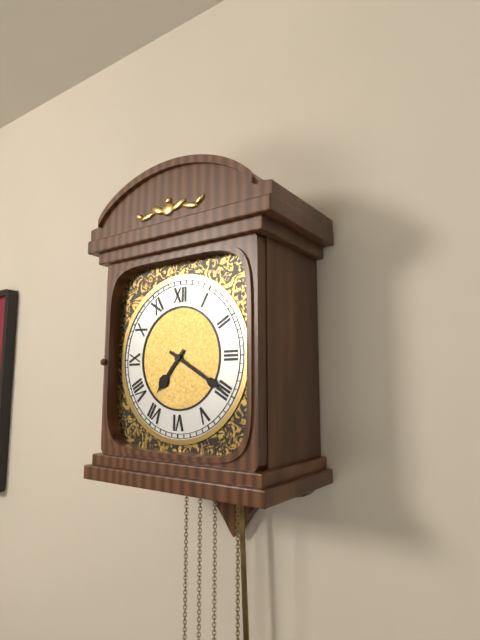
7:20
